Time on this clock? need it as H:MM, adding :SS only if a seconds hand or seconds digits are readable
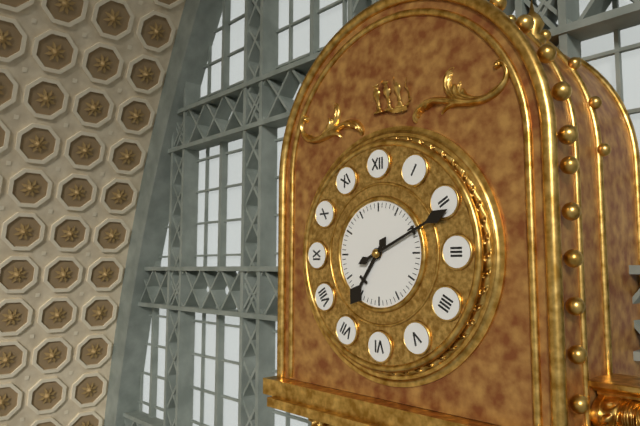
7:11
